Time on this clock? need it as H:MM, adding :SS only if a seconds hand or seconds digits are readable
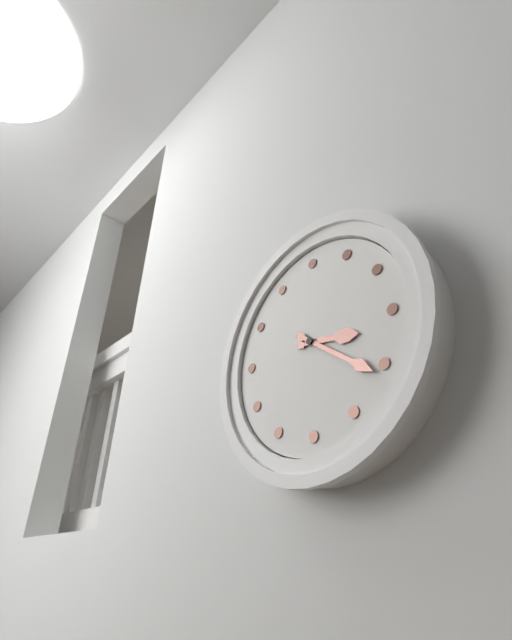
3:21
